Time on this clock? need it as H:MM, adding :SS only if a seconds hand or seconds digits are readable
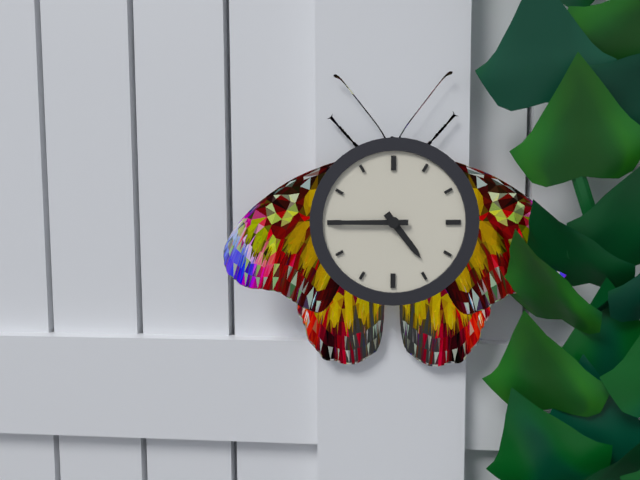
4:45
